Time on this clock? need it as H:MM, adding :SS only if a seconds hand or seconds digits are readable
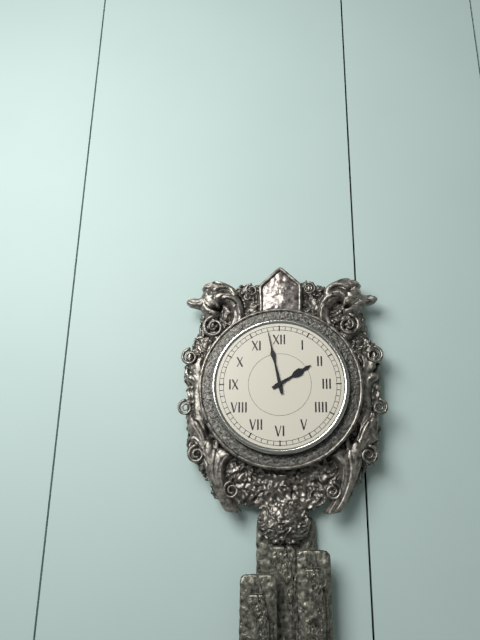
1:58
